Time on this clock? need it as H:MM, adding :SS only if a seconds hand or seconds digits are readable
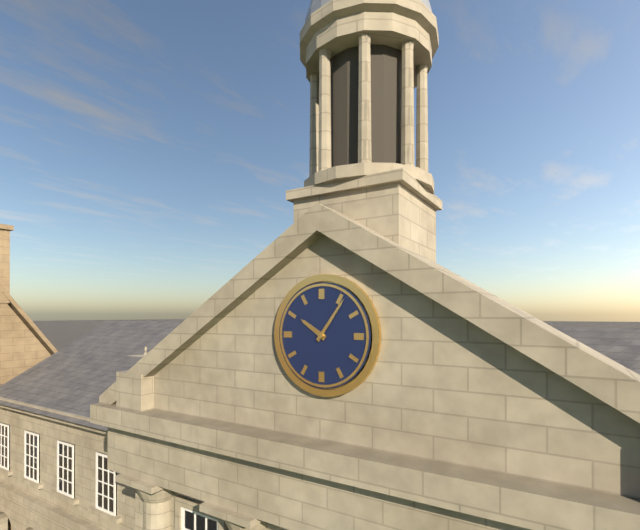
10:06
